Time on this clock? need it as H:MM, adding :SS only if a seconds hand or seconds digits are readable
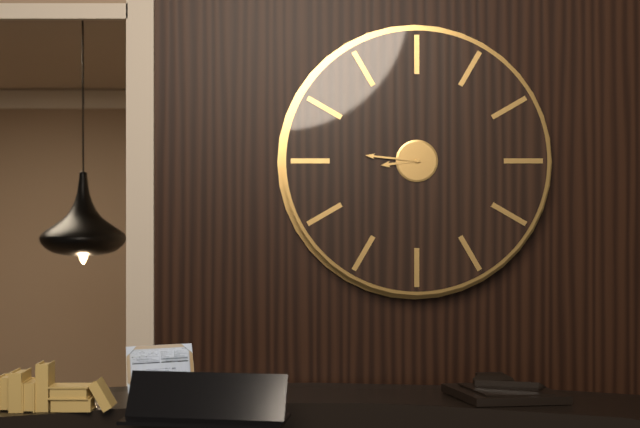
8:46
